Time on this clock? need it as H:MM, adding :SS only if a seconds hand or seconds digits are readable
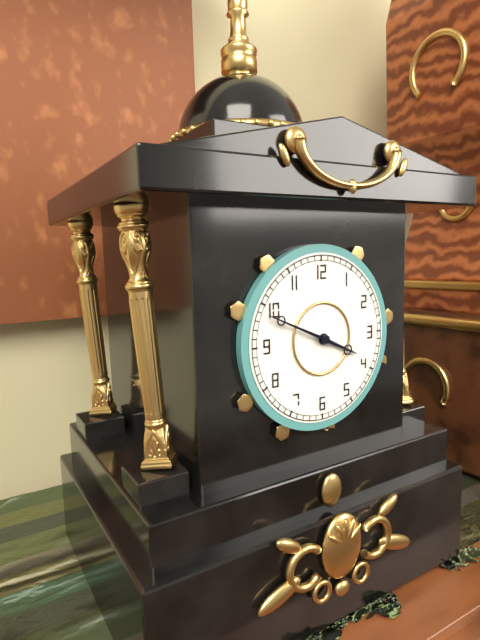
3:49
